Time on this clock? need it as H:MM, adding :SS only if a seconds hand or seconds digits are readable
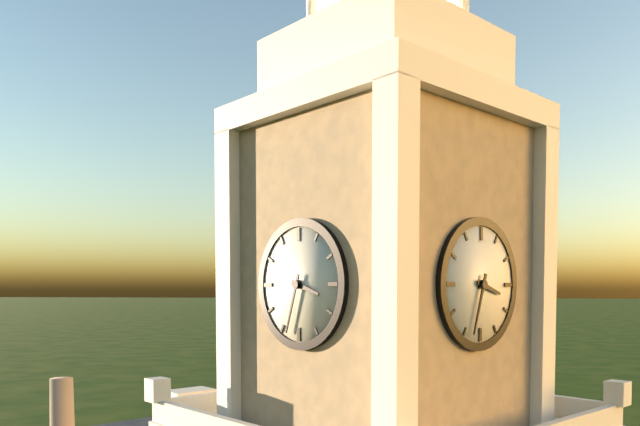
3:33
